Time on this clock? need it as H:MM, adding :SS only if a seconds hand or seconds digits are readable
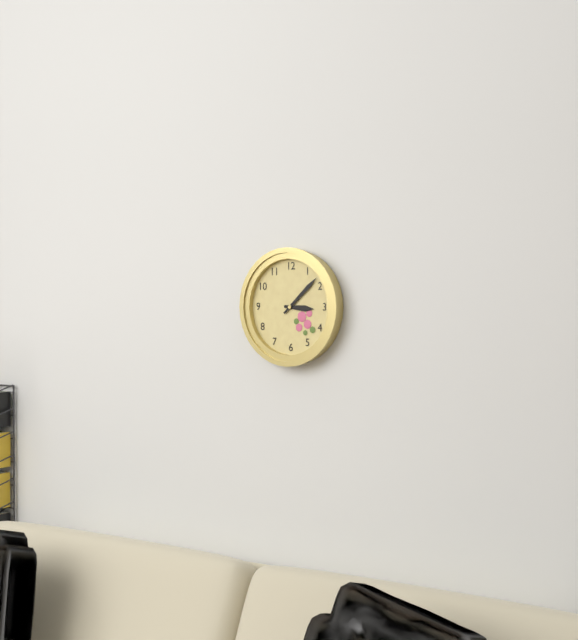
3:08
